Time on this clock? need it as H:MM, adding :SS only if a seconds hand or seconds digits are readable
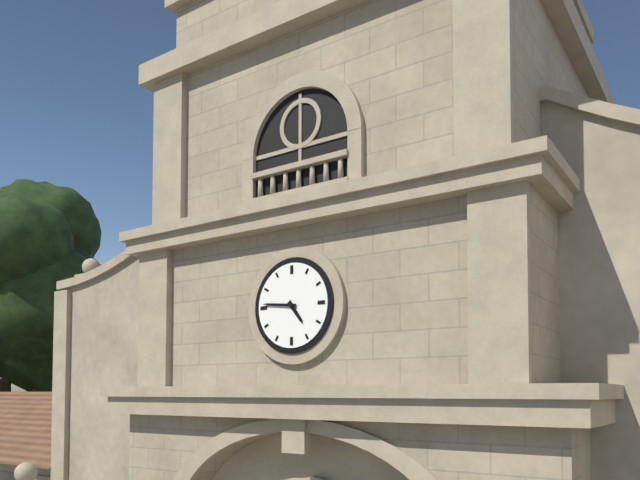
4:46
